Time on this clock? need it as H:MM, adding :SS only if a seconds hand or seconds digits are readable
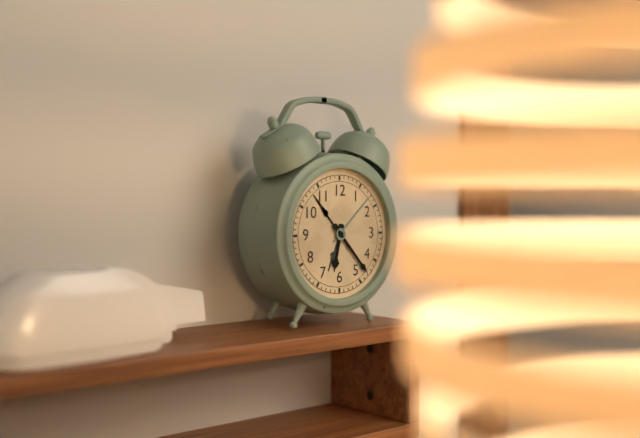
6:23
